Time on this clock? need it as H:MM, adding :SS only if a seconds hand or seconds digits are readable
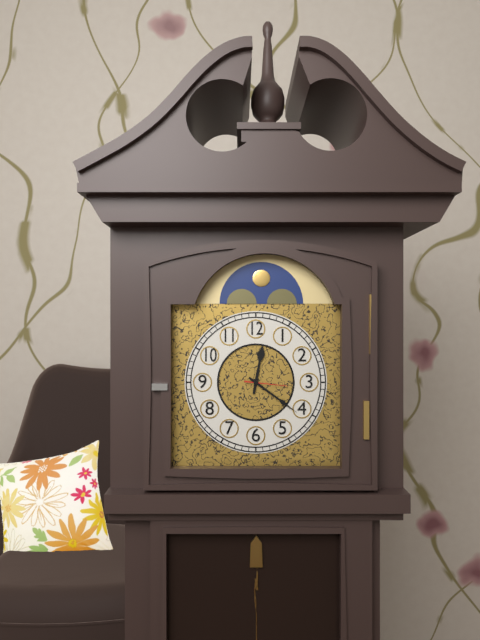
12:21
